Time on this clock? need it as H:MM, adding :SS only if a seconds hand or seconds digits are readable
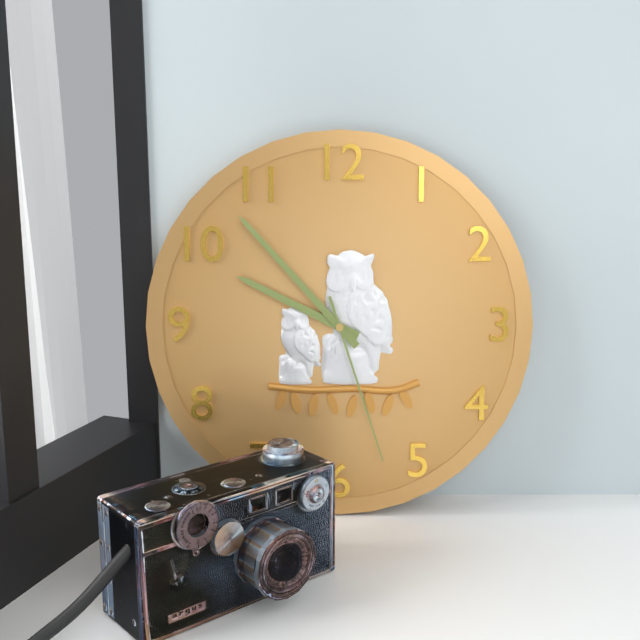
9:53:27
